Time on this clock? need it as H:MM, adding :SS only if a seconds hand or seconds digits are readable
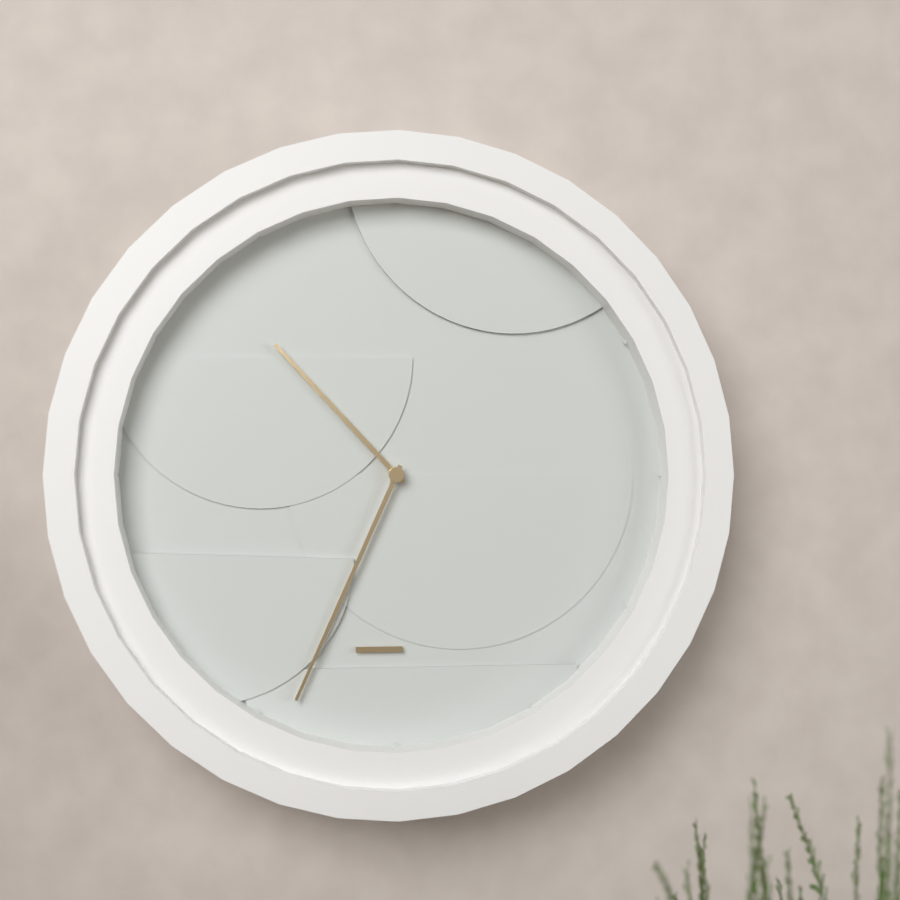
10:34
